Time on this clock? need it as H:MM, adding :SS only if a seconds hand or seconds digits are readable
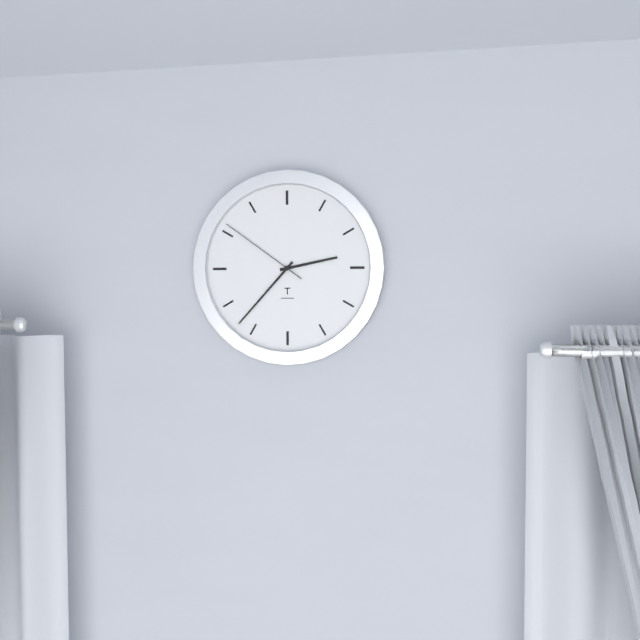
2:37:51
